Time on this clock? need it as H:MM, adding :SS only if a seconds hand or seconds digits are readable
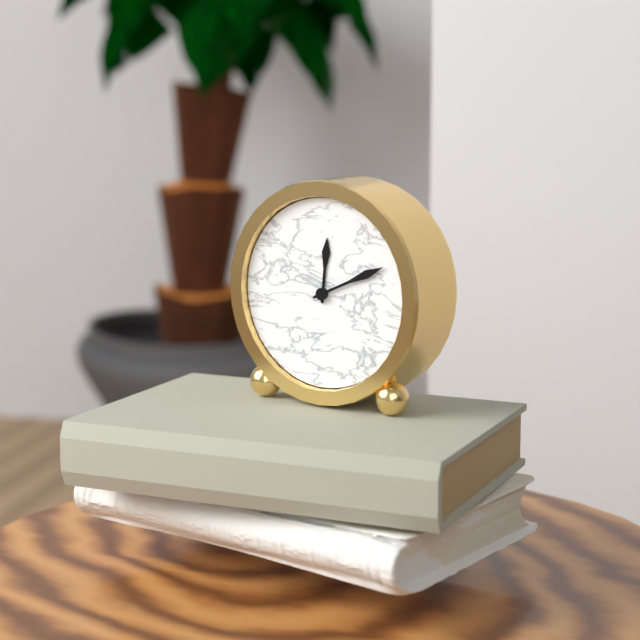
12:11
